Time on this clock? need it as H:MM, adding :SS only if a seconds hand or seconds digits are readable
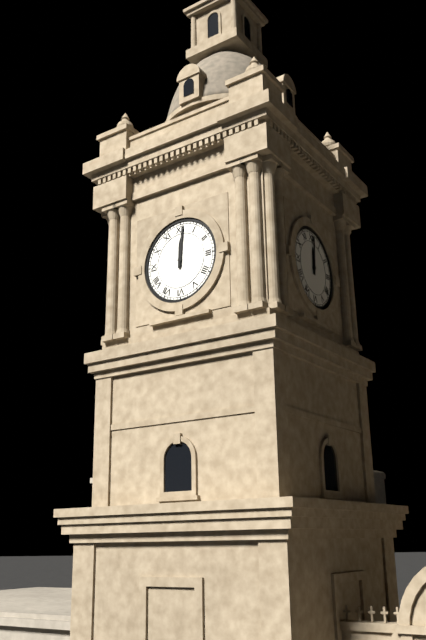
12:01
